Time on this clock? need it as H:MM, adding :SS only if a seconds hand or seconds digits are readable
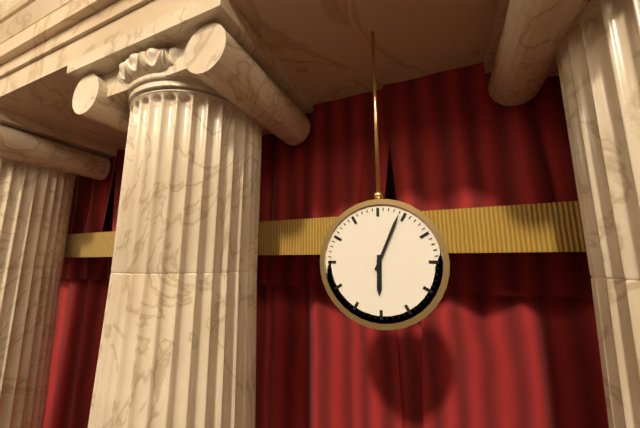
6:04
